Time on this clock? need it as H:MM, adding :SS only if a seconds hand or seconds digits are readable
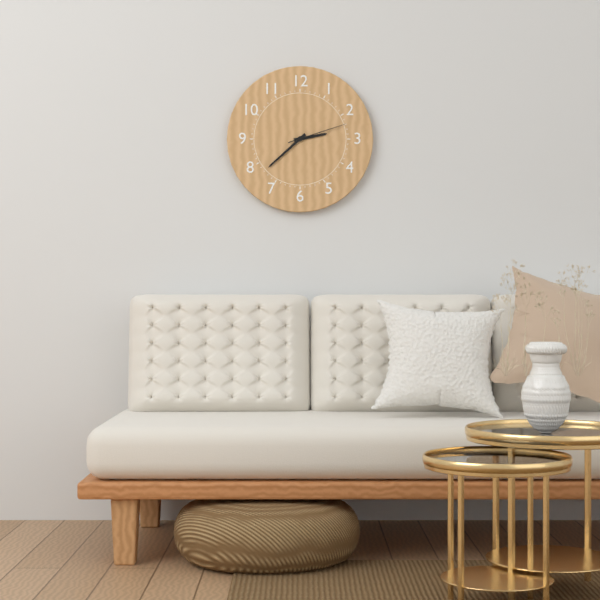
2:38:12
